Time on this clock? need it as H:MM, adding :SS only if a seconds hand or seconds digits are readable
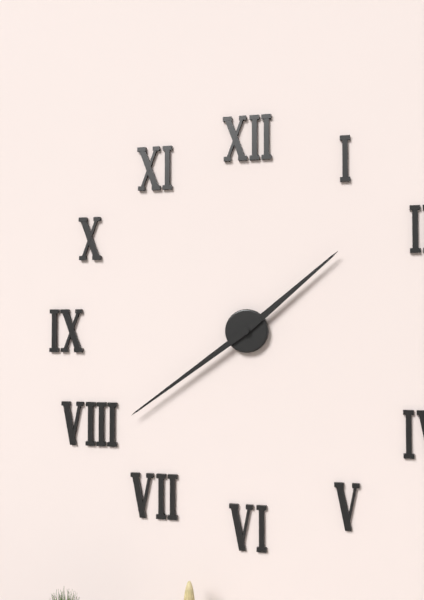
1:39
